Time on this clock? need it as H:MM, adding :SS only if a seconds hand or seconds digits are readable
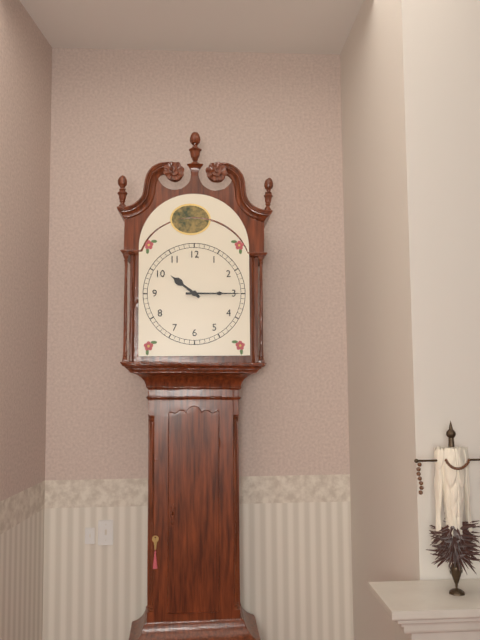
10:15
